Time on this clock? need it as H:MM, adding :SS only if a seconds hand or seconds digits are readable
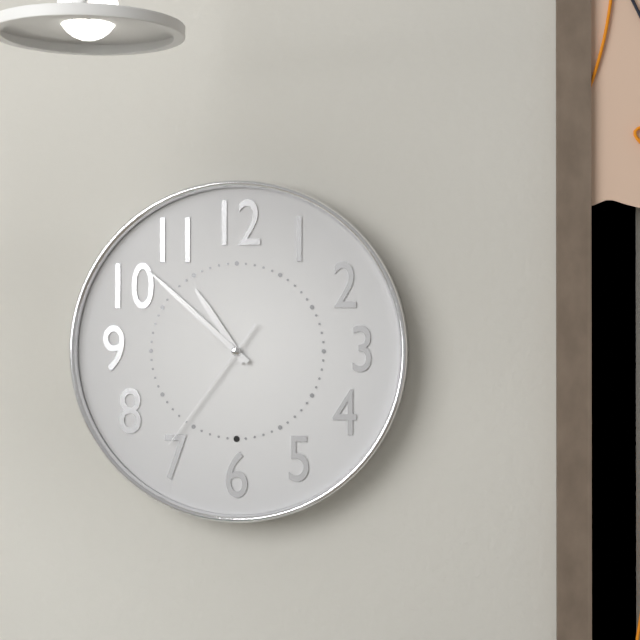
10:52:36
